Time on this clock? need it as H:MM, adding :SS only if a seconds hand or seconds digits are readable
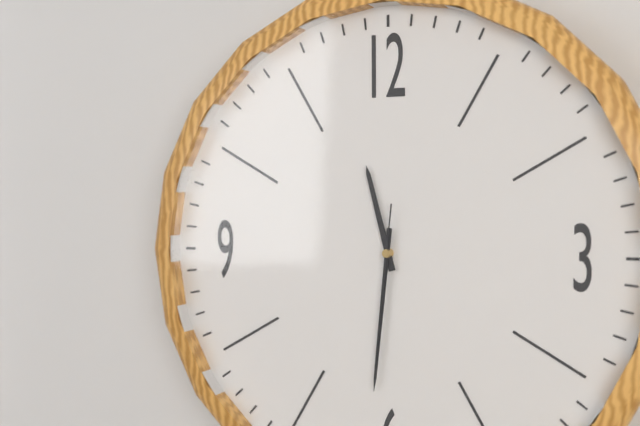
11:31:31
